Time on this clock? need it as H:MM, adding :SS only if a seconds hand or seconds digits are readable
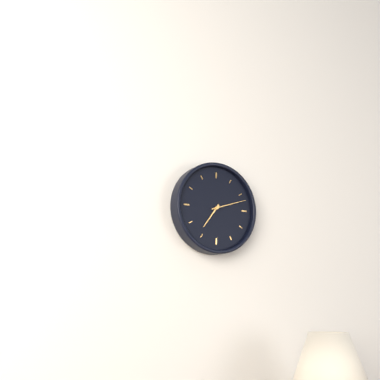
7:12
